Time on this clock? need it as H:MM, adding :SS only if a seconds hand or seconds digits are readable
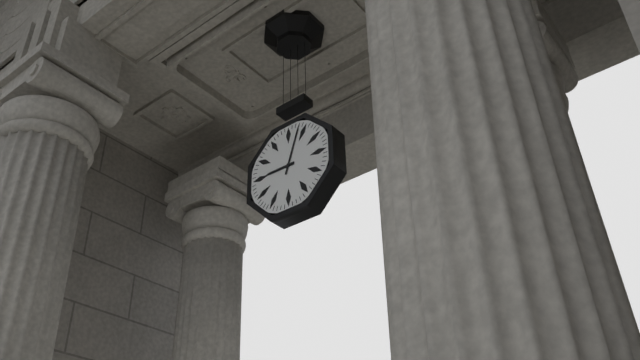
9:03
